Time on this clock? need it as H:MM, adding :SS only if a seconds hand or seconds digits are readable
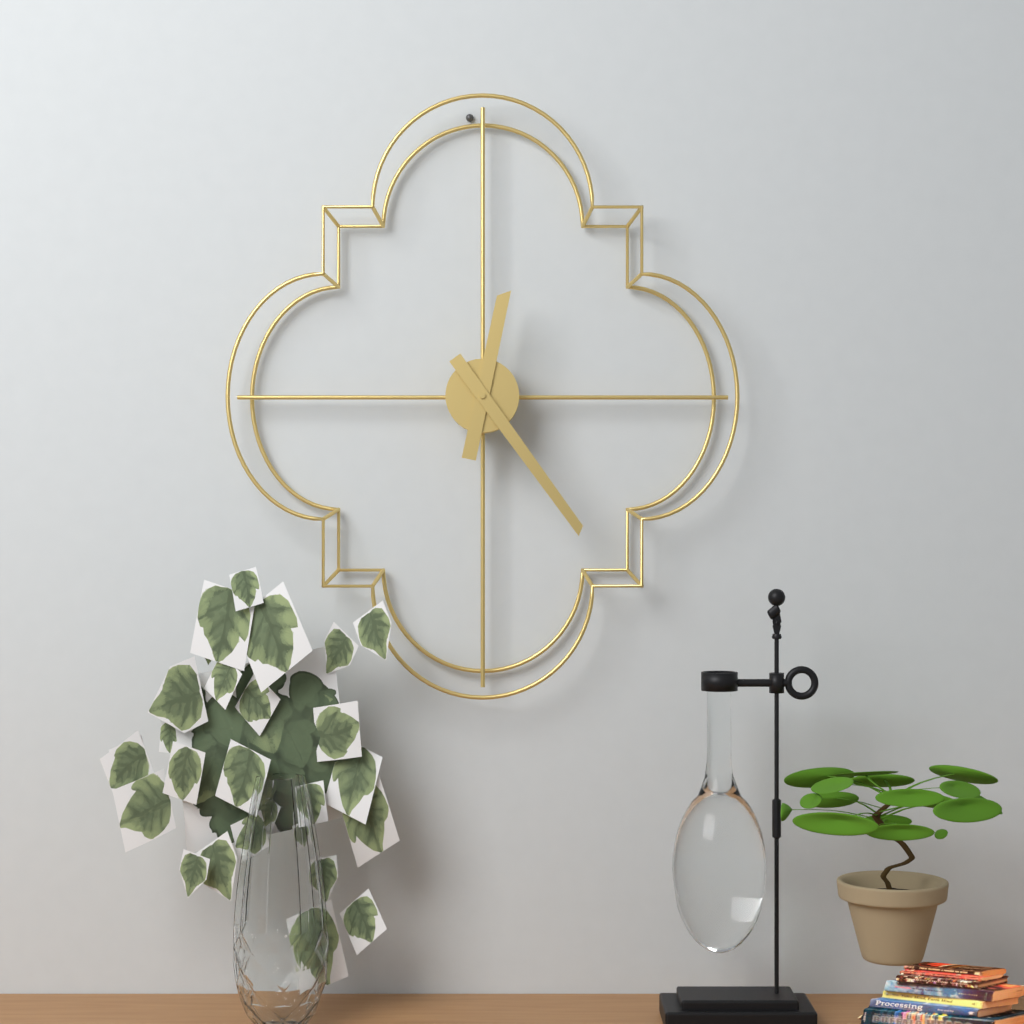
12:24
